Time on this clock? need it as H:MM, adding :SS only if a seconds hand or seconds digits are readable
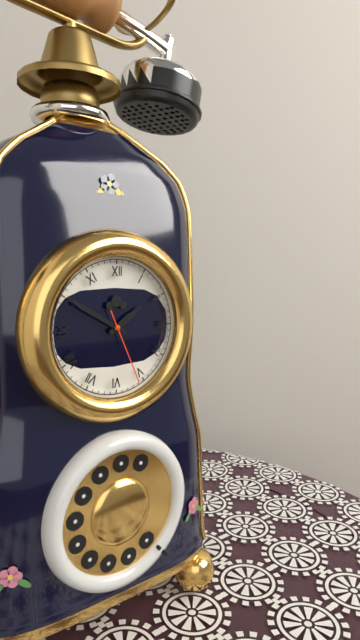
1:50:26
